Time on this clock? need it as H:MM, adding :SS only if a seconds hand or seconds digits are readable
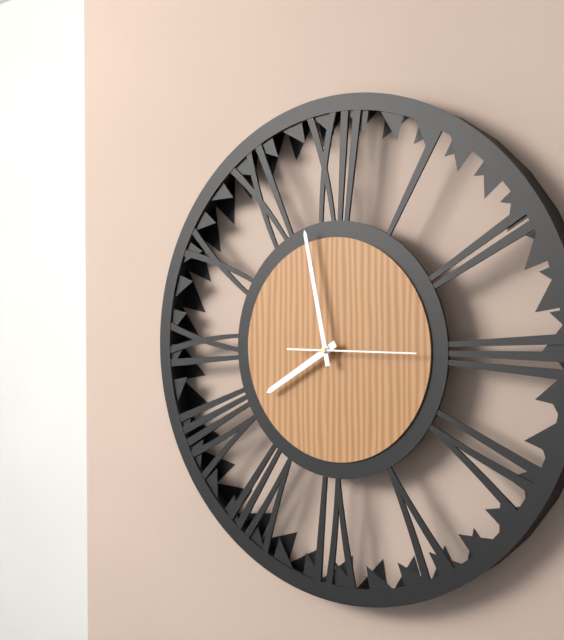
7:58:15
